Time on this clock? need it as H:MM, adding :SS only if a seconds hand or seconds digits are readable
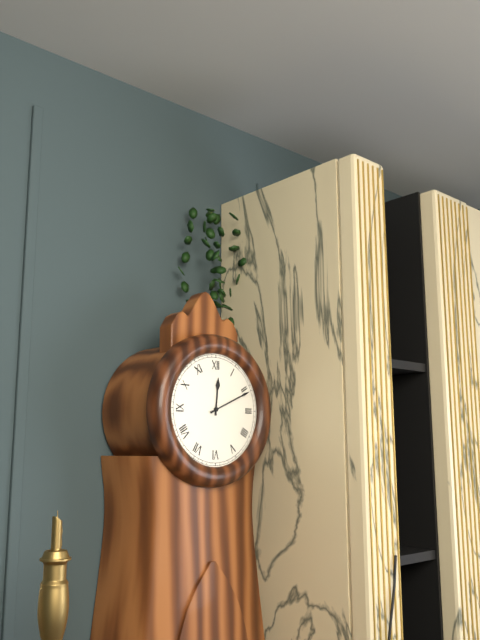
12:11
